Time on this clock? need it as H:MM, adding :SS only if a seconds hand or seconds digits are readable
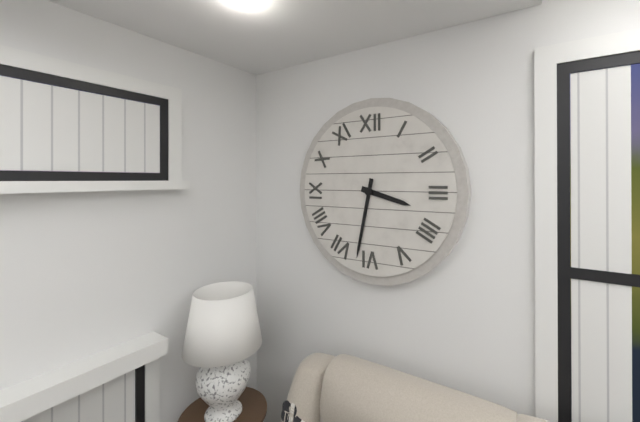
3:32
